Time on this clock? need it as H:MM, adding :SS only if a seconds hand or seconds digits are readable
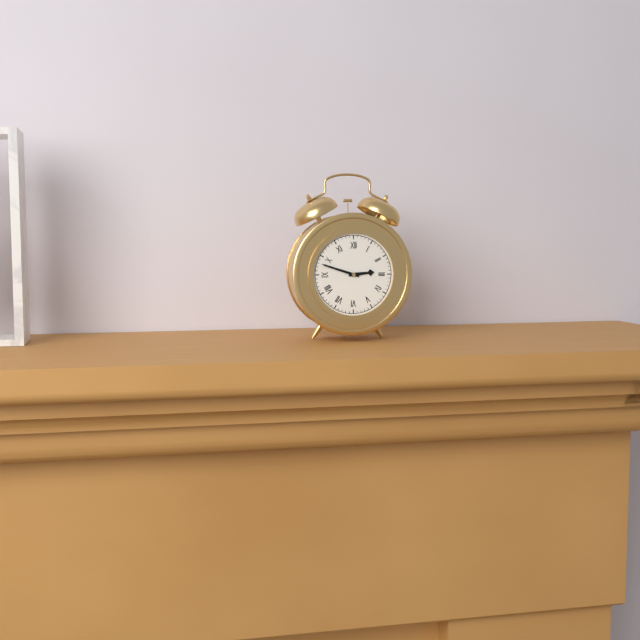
2:48
